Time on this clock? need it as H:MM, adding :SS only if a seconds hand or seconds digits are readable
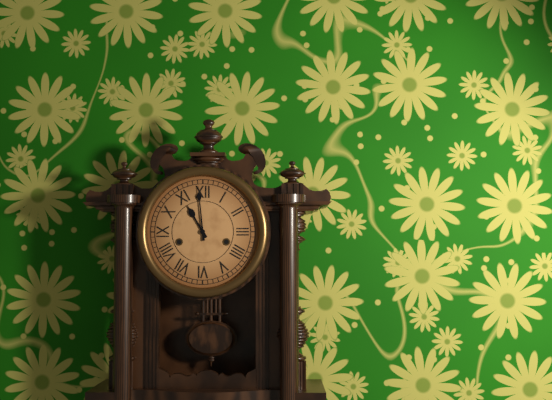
10:59
